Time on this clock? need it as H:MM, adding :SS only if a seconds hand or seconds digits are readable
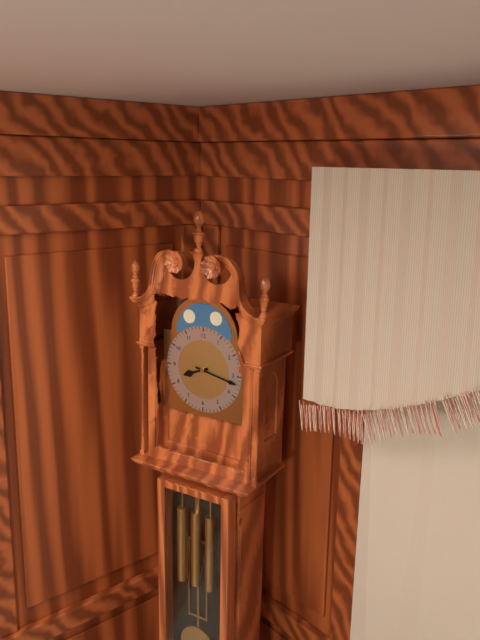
8:17
